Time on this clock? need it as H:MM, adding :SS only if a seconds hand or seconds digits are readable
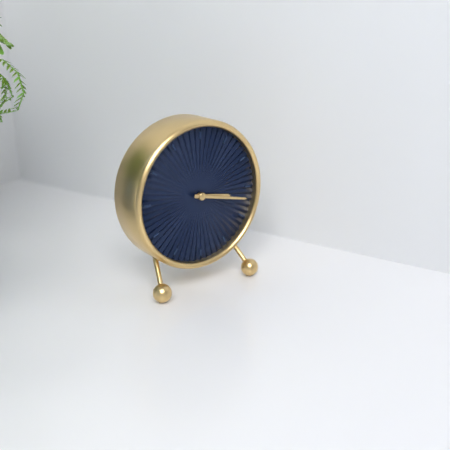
3:17
